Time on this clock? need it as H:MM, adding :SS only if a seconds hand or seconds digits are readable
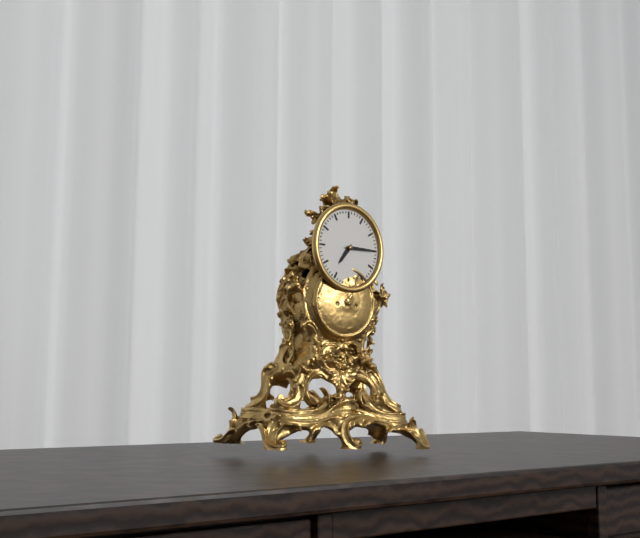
7:15
